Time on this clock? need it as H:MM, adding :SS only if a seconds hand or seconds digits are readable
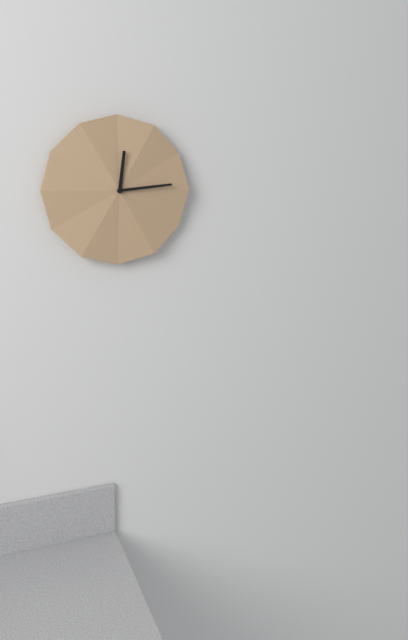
12:14
